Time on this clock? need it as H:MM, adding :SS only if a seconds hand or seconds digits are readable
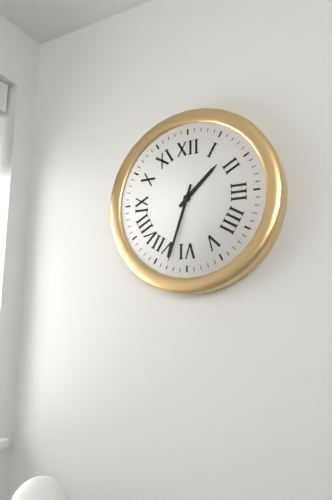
1:33
